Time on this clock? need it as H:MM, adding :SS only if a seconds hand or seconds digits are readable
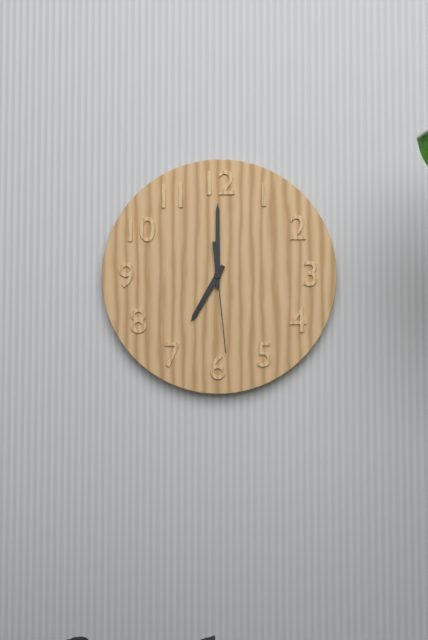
7:00:29
